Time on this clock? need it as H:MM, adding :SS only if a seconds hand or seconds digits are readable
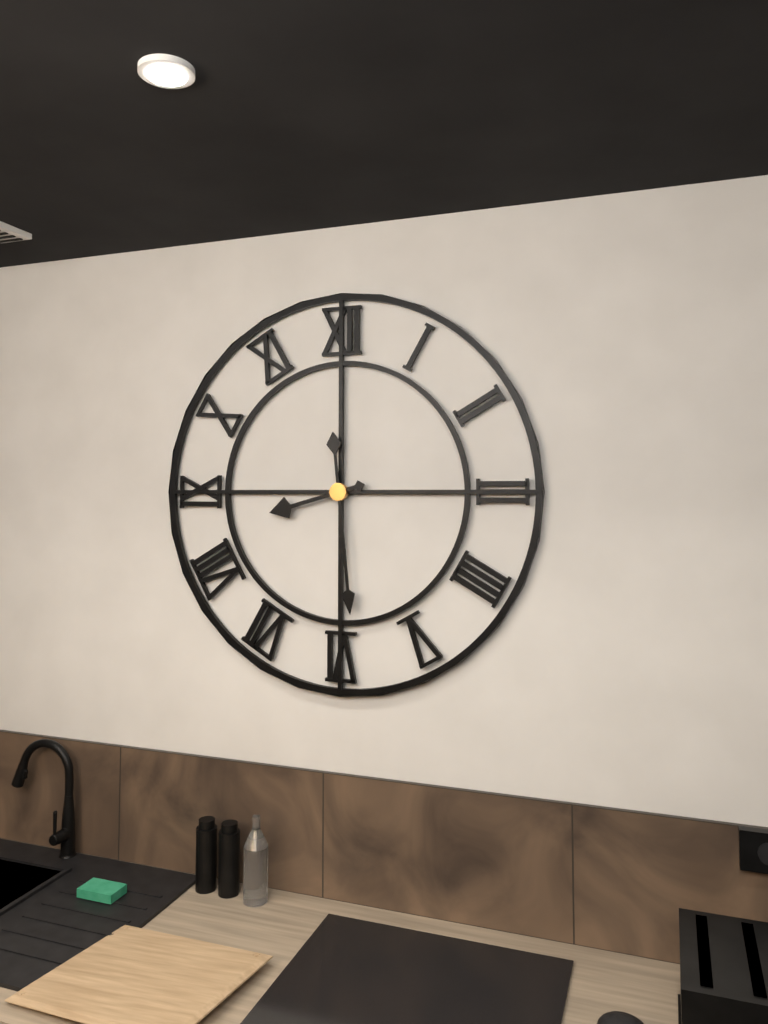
8:29
